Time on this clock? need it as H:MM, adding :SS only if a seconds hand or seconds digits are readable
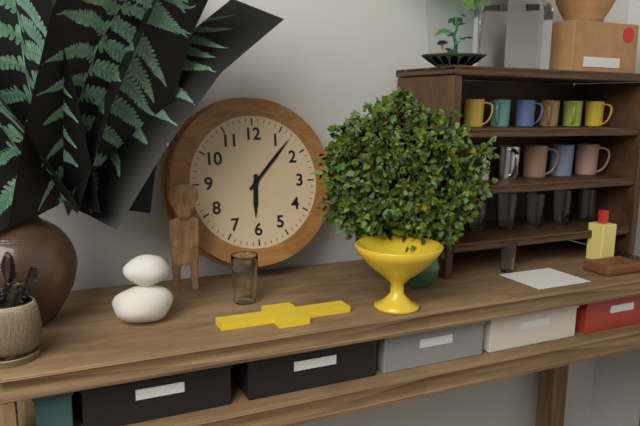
6:07
